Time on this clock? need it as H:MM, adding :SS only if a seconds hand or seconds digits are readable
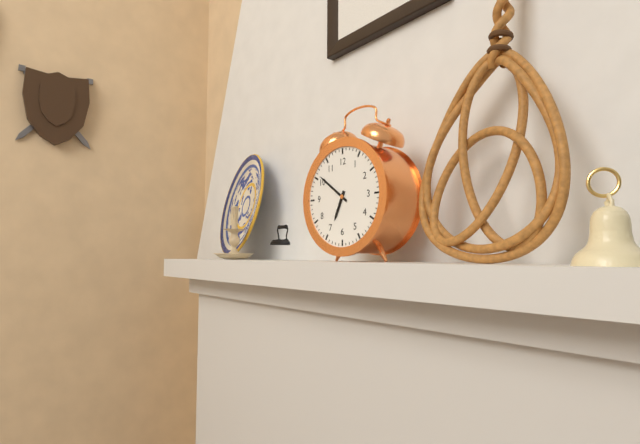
6:51
